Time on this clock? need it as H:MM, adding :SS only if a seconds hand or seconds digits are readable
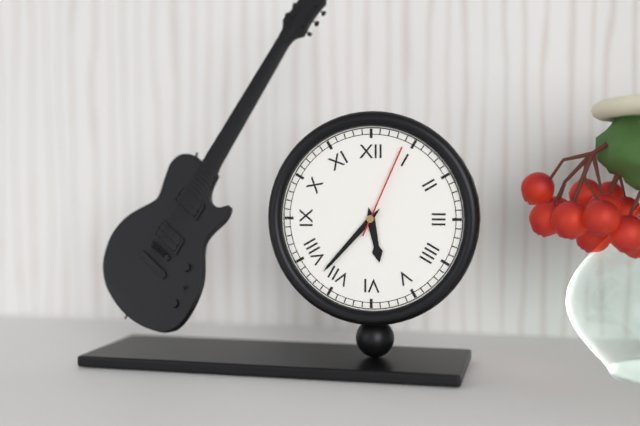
5:37:04
